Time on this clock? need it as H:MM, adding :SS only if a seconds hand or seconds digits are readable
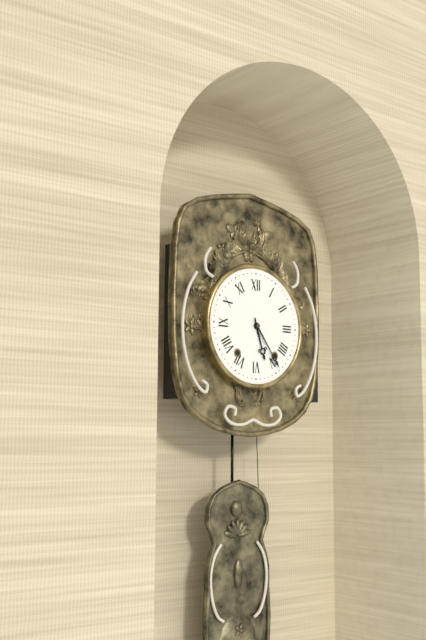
5:24
